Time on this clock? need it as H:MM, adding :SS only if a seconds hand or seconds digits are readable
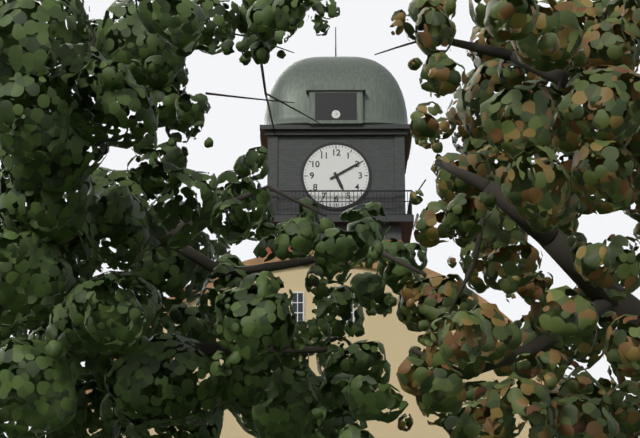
5:10
